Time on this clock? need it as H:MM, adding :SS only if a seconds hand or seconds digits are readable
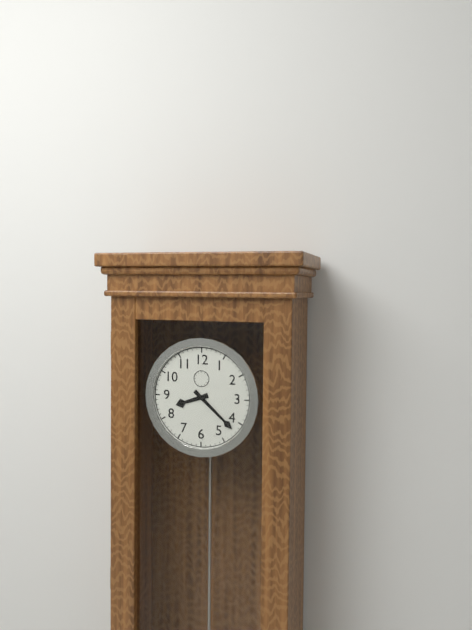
8:22
